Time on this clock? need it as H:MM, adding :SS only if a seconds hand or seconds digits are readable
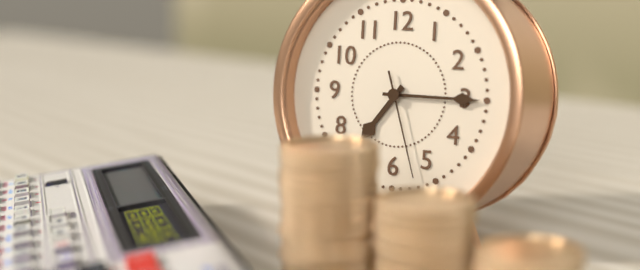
7:15:27
